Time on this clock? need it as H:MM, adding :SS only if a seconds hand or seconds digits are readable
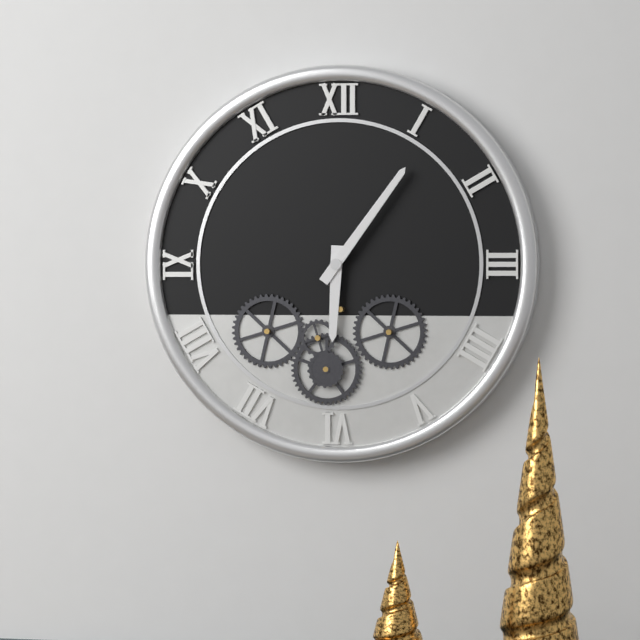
6:06
